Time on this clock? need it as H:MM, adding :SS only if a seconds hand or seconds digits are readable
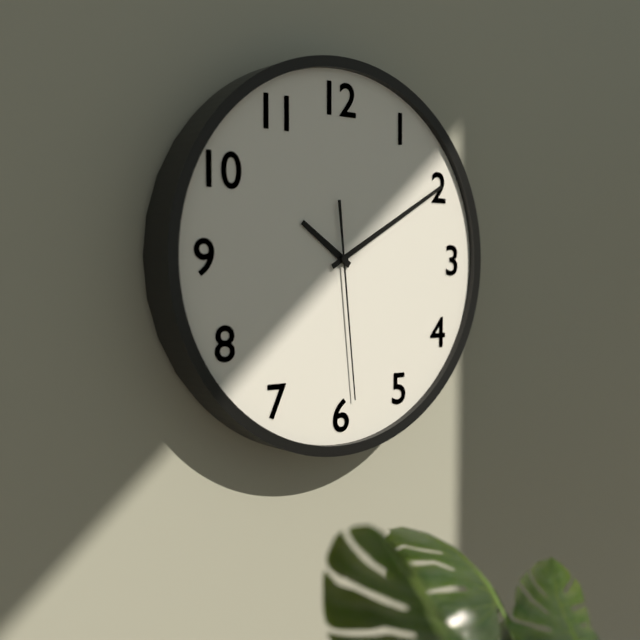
10:10:29
